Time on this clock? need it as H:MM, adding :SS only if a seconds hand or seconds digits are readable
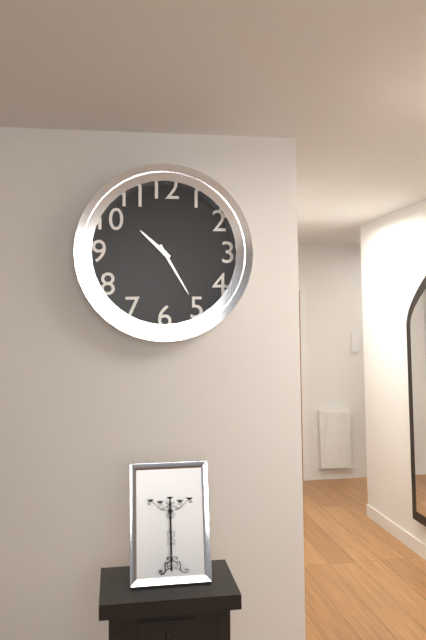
10:25
